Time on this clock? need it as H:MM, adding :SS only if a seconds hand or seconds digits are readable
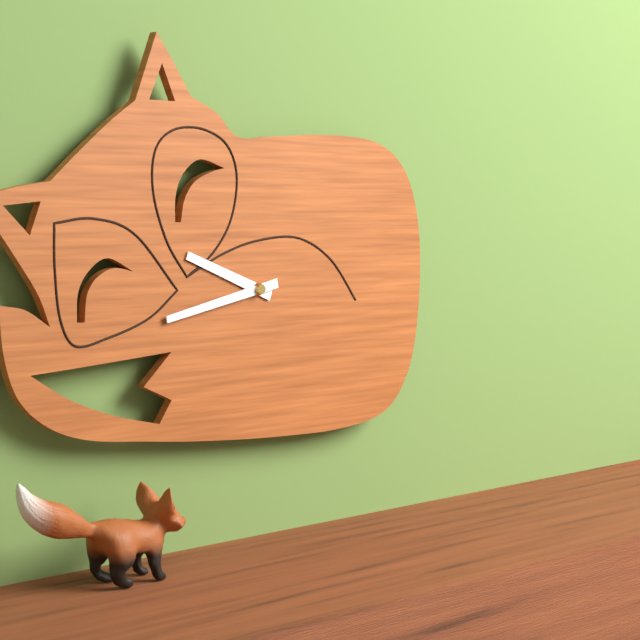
9:43
